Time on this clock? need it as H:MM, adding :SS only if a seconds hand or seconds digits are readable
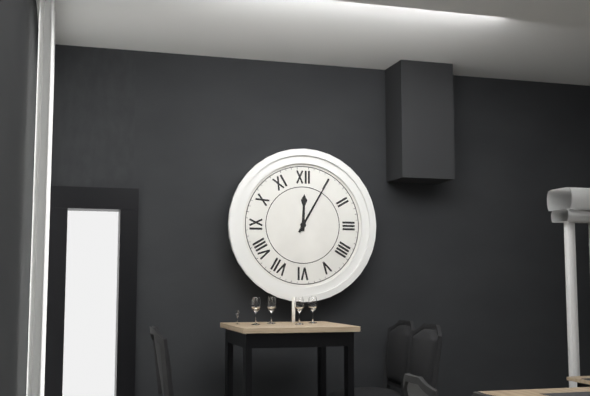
12:05
